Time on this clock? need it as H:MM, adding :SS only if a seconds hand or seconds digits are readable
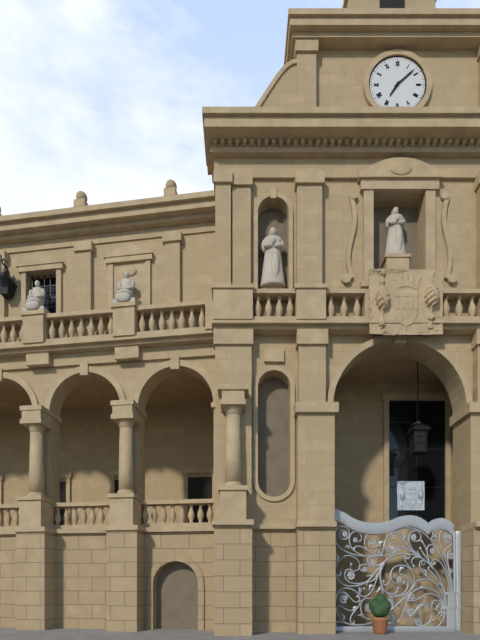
7:08
